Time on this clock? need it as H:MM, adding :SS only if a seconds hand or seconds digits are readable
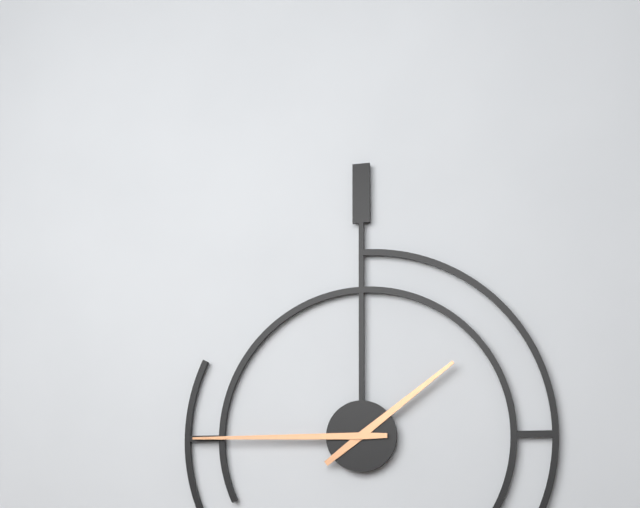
1:45
